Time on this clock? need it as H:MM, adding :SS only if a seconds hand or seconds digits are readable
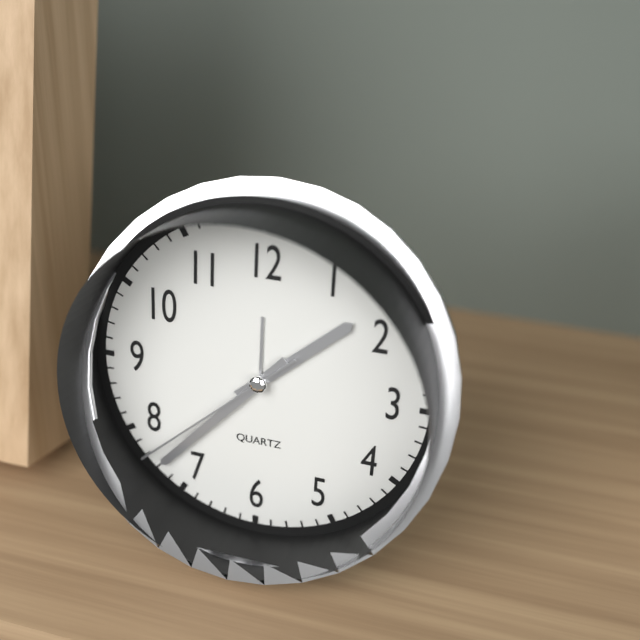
1:37:38
